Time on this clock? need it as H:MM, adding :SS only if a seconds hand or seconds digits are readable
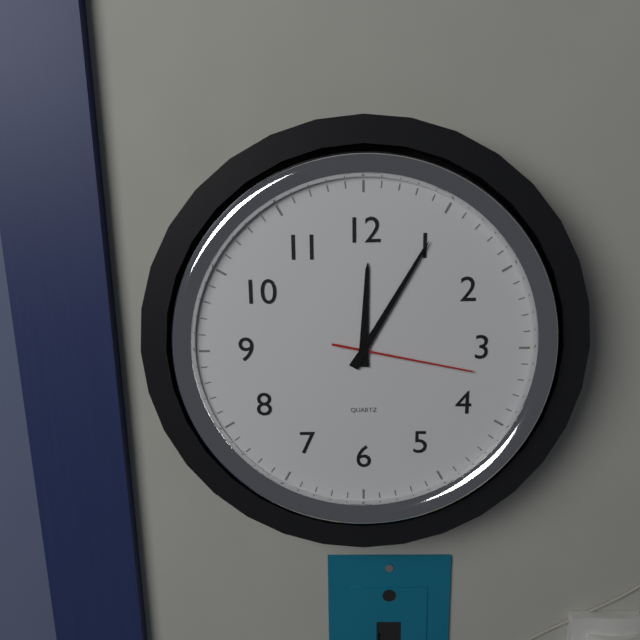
12:05:17
